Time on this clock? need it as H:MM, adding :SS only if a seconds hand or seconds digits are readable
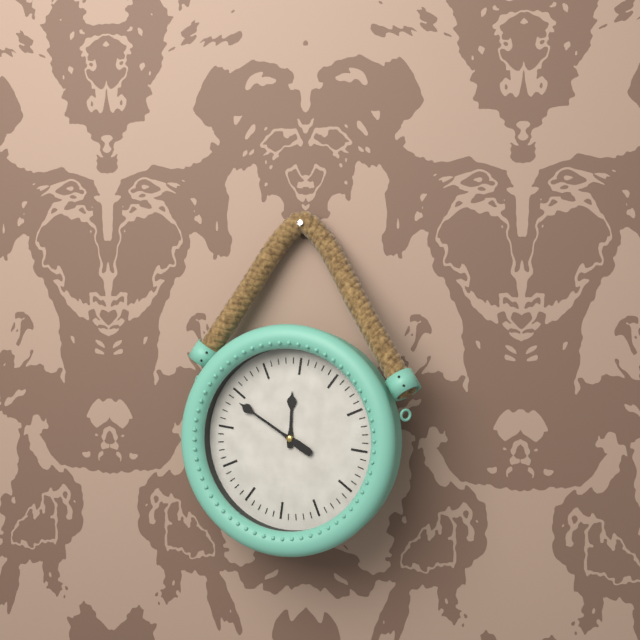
11:49
